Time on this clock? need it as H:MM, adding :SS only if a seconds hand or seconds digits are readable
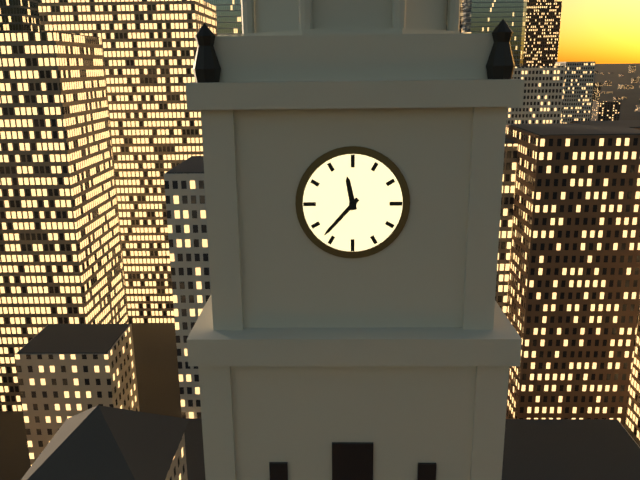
11:37
